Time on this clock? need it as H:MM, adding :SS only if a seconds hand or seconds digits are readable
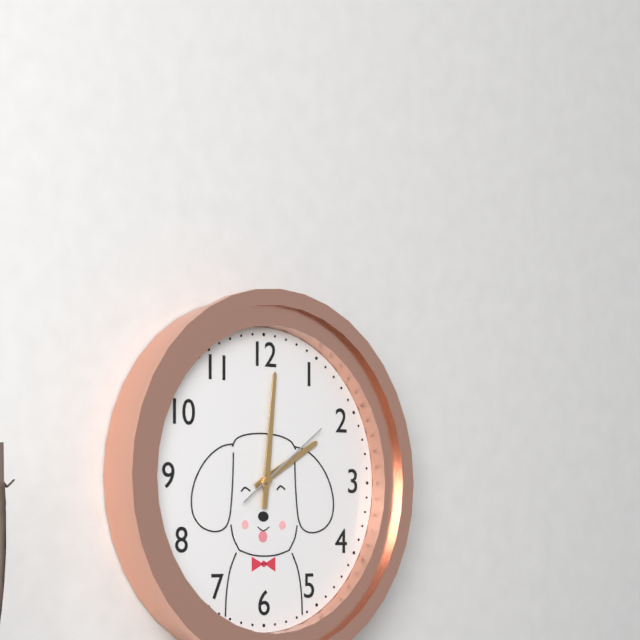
2:01:09
